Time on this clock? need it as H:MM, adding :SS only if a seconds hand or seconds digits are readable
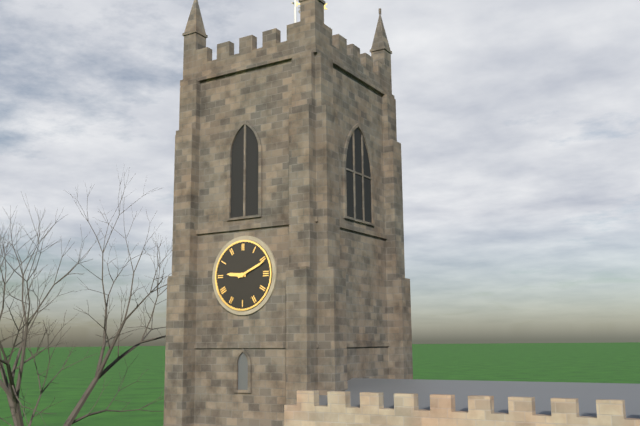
9:11
